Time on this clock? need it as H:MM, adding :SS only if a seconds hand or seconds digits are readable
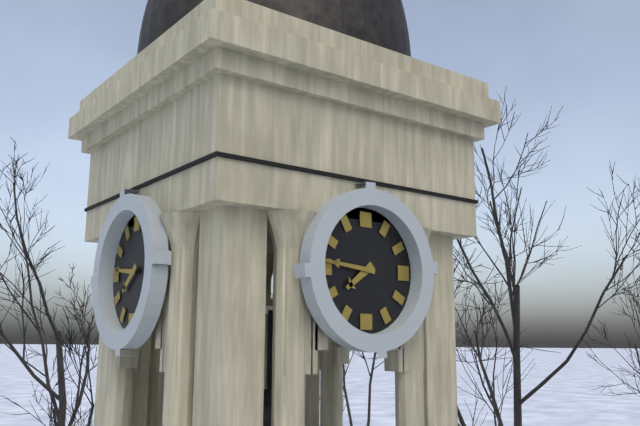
7:46
